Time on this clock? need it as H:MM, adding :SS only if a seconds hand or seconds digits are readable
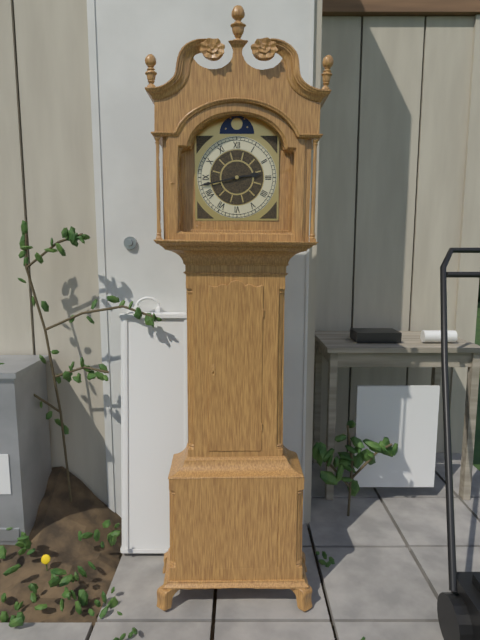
2:43
